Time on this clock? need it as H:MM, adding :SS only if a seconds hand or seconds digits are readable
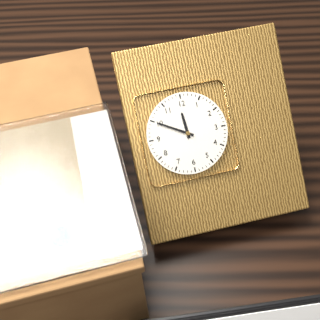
11:50
